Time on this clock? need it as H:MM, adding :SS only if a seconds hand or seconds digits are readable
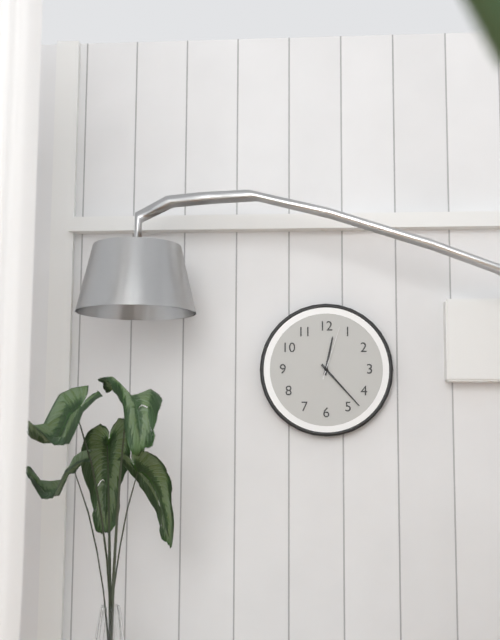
12:23:03
